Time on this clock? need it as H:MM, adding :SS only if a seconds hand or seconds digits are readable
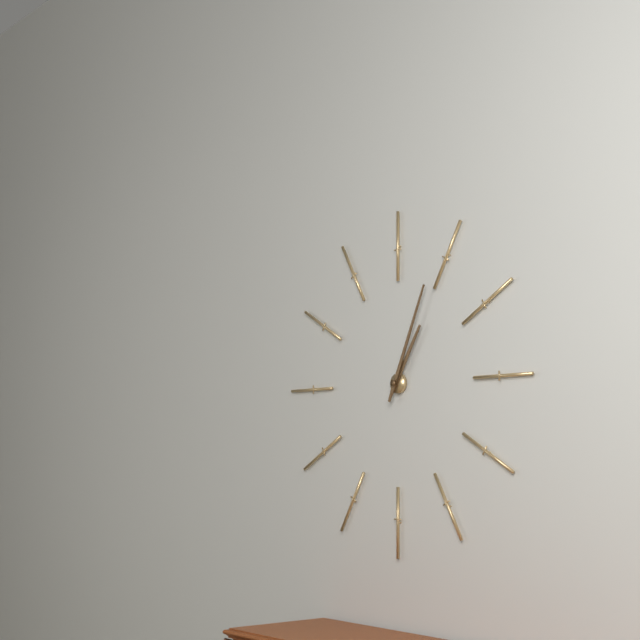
1:04
